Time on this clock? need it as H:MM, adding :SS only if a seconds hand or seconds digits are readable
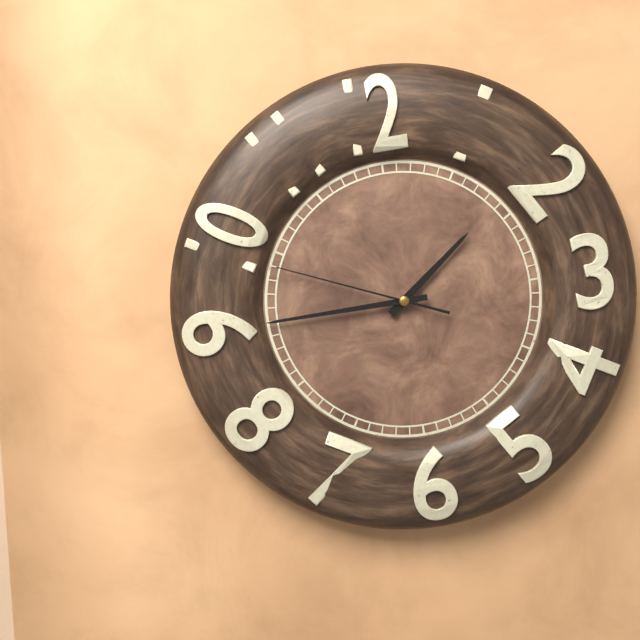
1:45:49
